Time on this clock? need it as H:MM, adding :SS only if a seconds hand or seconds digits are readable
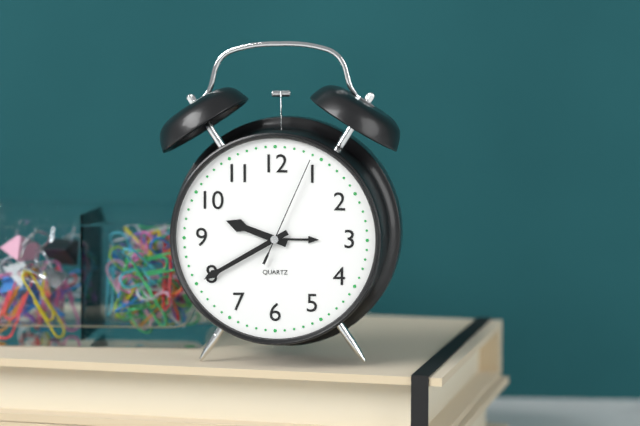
9:40:04
